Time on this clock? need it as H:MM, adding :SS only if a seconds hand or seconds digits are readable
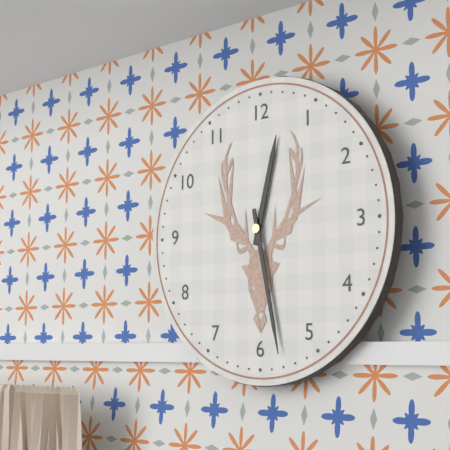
12:28
